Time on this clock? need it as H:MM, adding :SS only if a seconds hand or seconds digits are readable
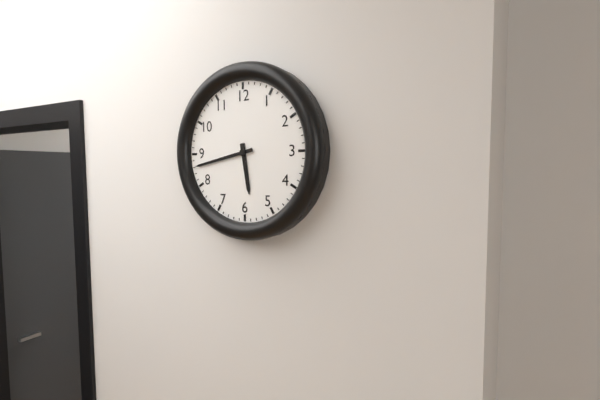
5:43
